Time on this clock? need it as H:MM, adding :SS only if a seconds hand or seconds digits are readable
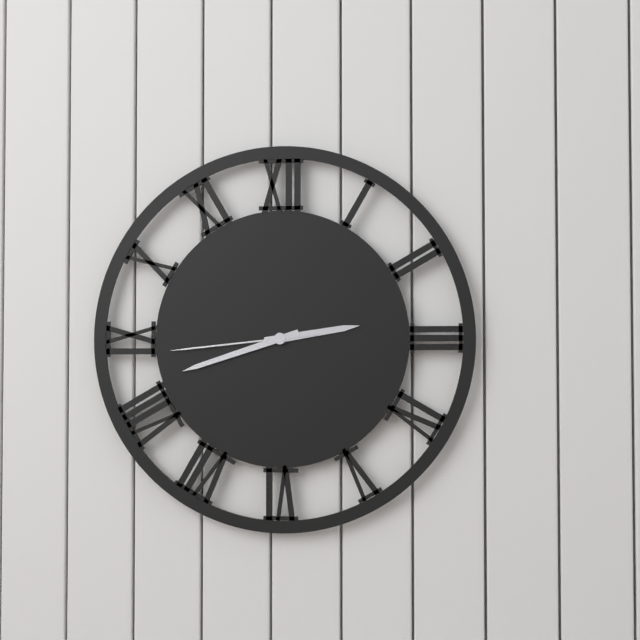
2:42:44
